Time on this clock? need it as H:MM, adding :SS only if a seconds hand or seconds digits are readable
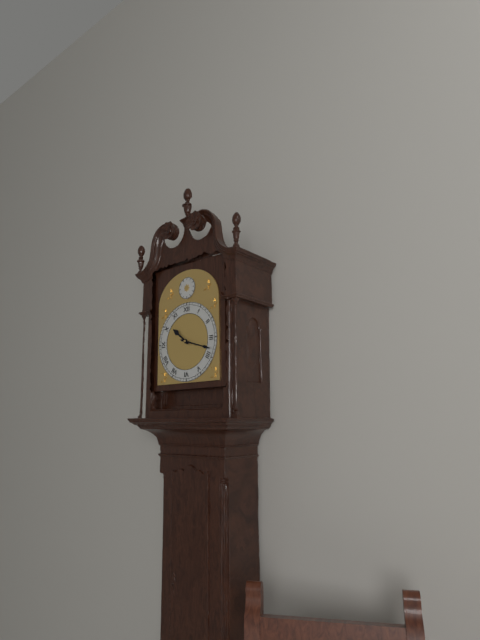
10:18
